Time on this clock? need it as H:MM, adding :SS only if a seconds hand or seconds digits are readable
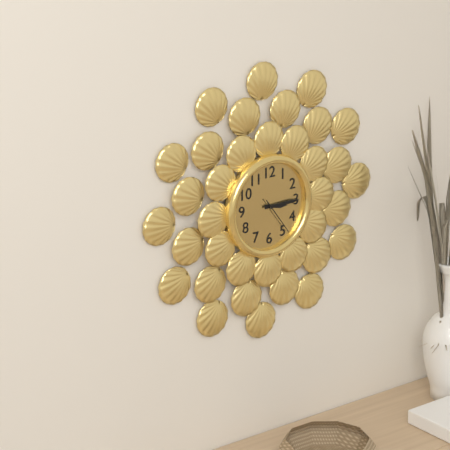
3:15
